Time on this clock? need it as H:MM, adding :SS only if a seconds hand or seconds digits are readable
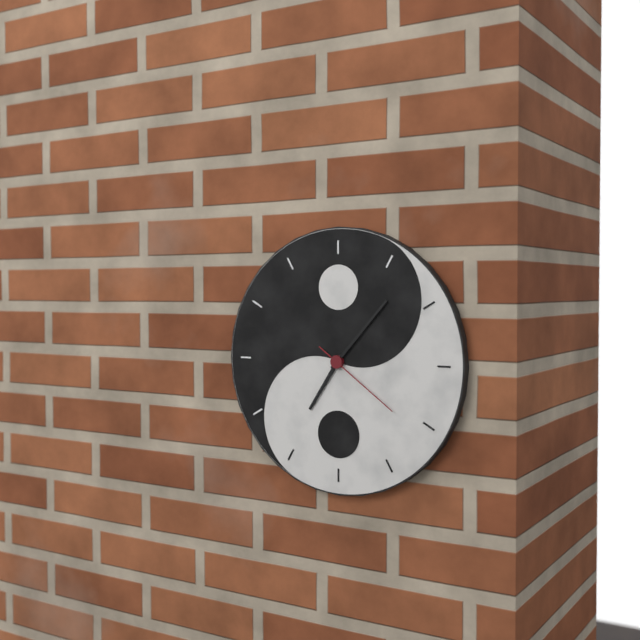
7:07:21
